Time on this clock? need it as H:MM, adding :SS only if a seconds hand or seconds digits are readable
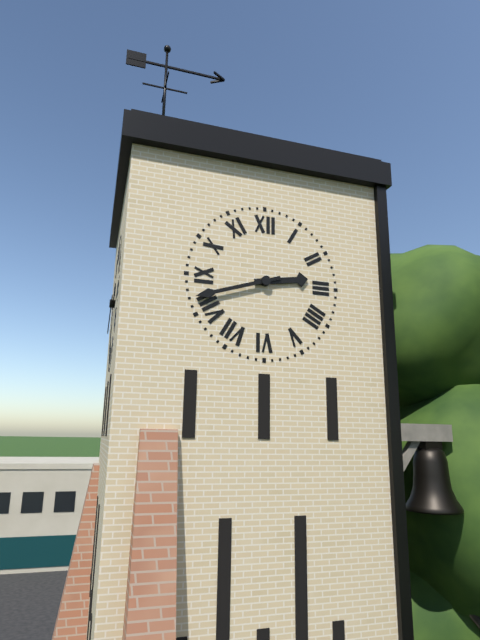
2:42
